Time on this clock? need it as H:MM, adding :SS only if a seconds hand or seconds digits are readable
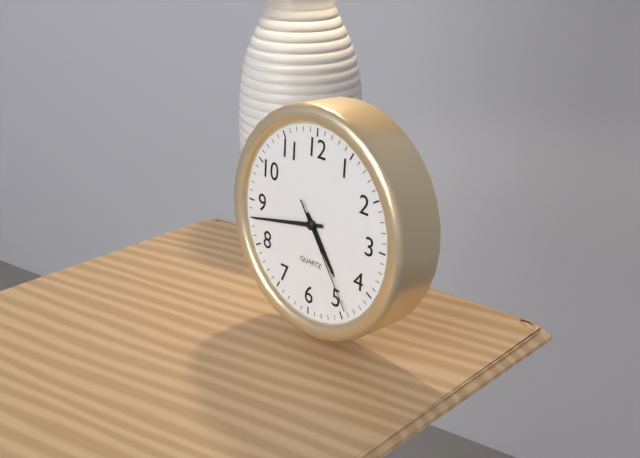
4:43:24
